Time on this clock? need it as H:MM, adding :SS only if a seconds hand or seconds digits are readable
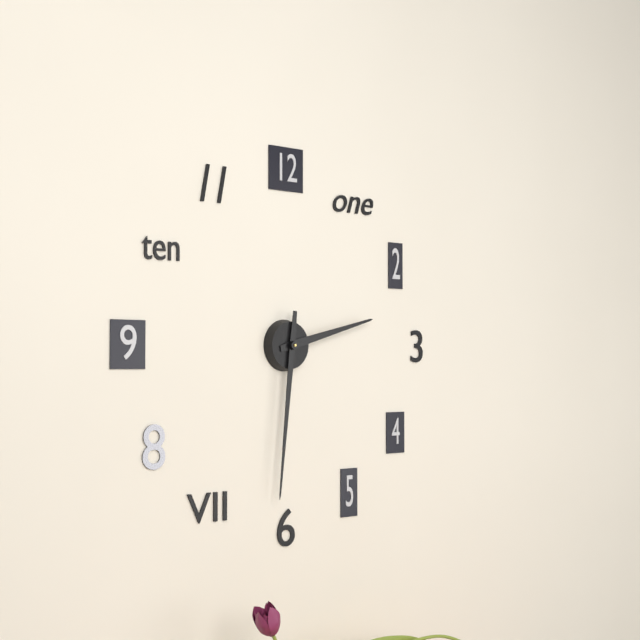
2:31
